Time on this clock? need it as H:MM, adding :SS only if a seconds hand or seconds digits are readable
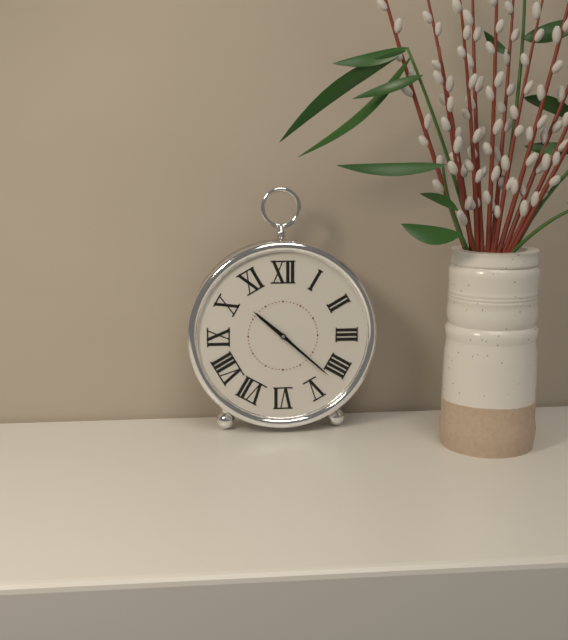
10:22
